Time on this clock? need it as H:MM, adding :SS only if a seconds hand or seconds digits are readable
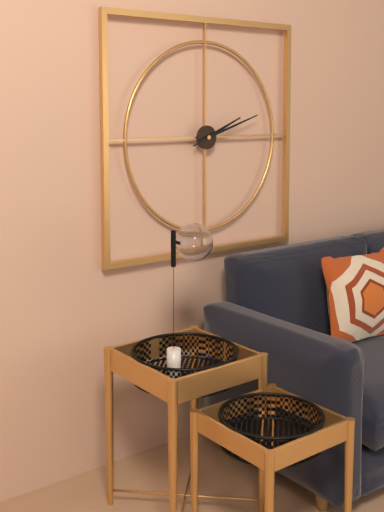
2:12
